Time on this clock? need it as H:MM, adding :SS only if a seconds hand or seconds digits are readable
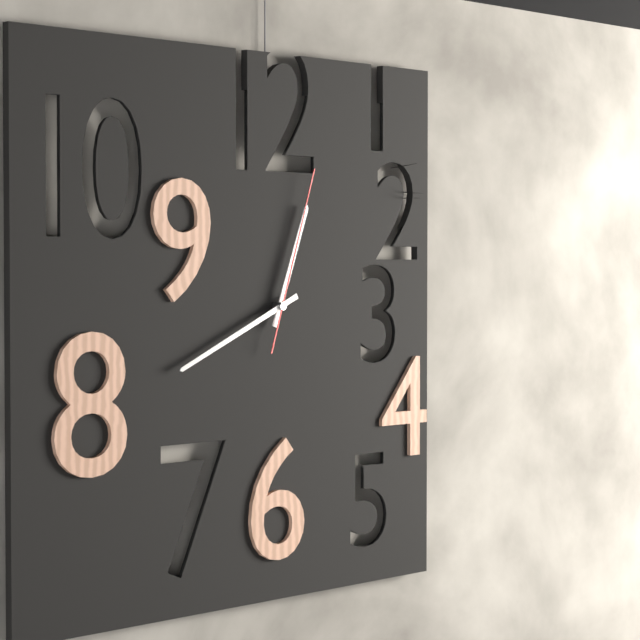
12:41:03
